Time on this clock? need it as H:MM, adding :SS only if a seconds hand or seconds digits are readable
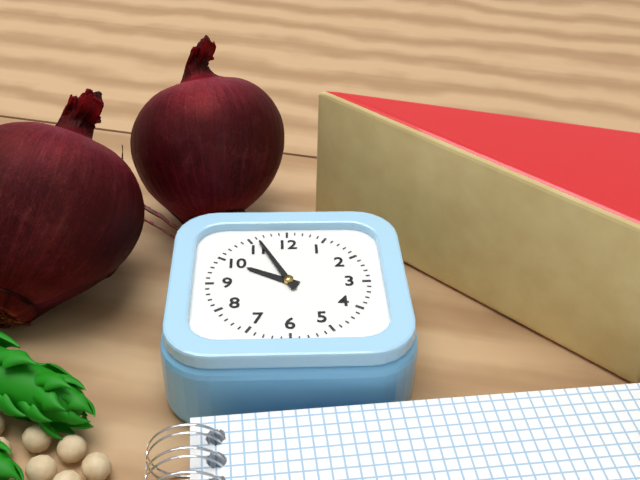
9:56
